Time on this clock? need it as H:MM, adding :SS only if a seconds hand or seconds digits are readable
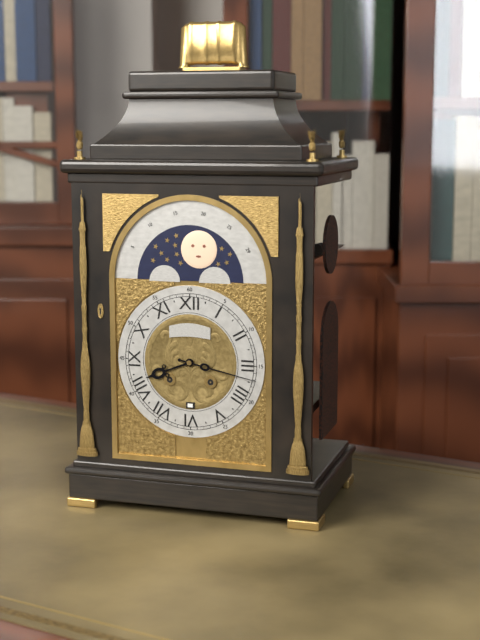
8:17
